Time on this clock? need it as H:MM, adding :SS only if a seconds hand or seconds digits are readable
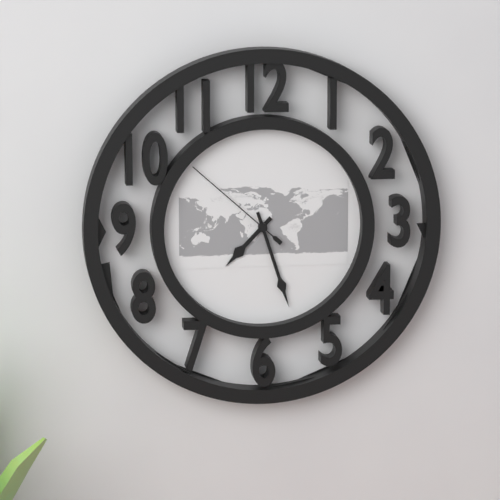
7:27:52
